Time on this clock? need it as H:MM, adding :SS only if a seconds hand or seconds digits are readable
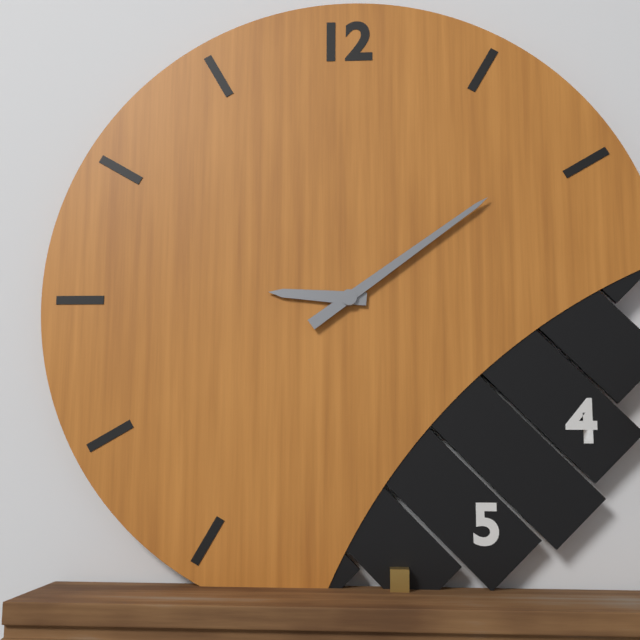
9:09
